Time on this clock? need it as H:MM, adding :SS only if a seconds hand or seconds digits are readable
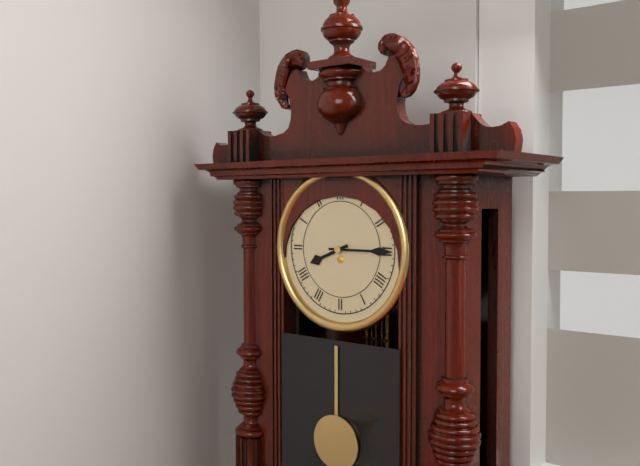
8:15
